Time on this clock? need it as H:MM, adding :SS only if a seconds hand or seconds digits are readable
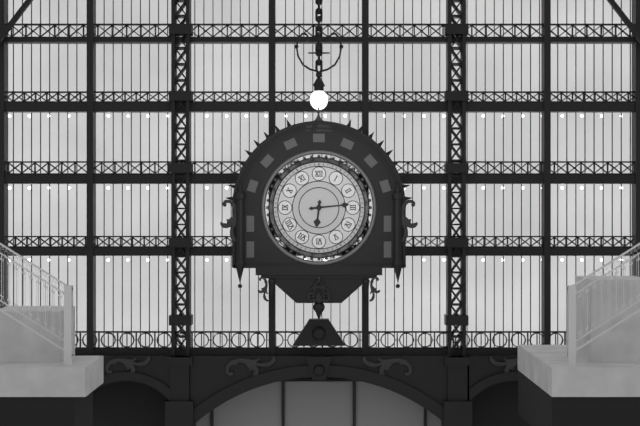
6:14
